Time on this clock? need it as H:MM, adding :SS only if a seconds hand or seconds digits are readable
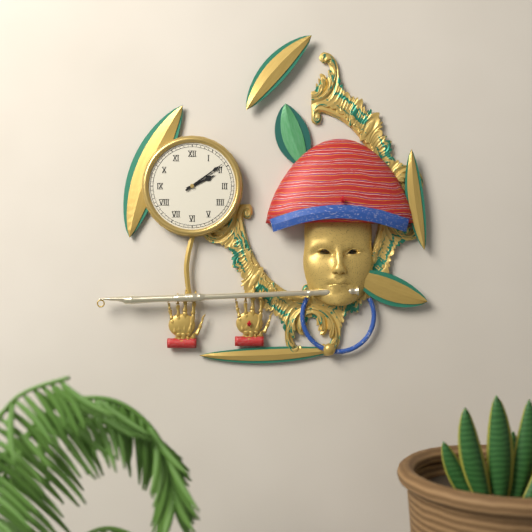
2:09
